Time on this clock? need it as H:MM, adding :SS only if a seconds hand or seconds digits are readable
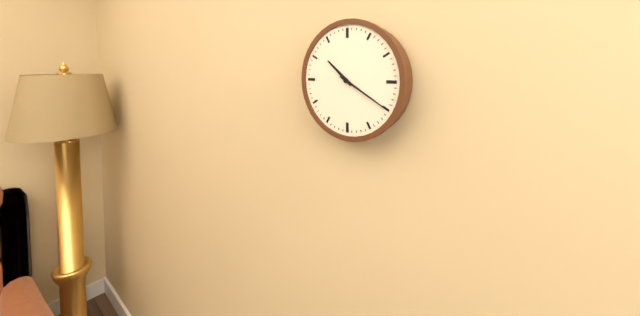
10:20
